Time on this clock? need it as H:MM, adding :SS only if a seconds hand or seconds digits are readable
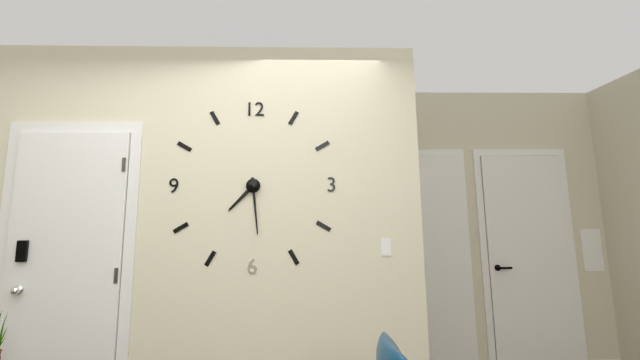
7:29
